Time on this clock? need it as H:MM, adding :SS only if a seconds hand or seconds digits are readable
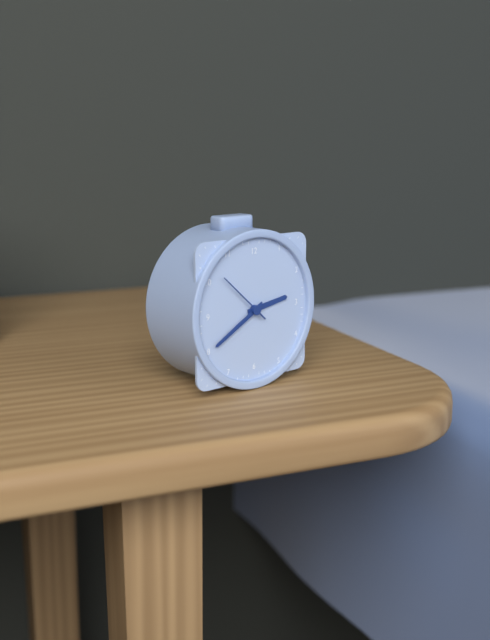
2:40:52
